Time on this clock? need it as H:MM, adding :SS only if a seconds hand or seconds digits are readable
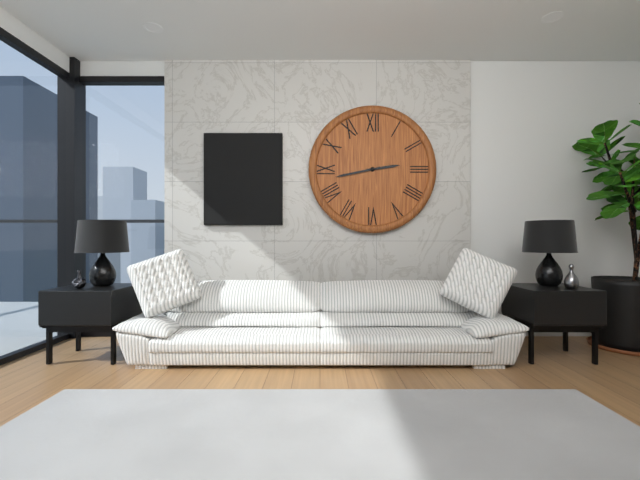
2:43
